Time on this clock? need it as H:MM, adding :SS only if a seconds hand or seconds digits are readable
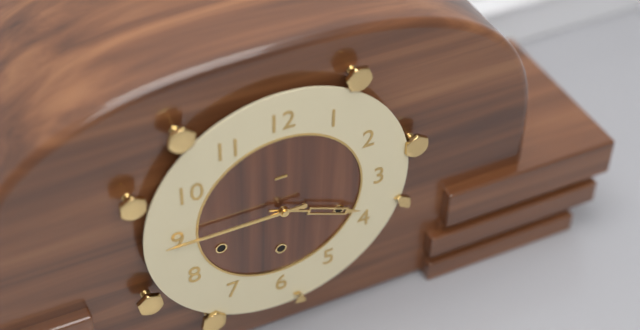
3:45
